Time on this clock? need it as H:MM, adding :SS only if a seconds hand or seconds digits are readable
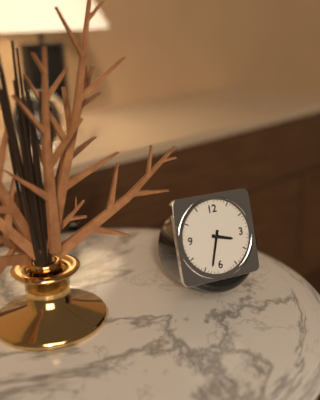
3:33
